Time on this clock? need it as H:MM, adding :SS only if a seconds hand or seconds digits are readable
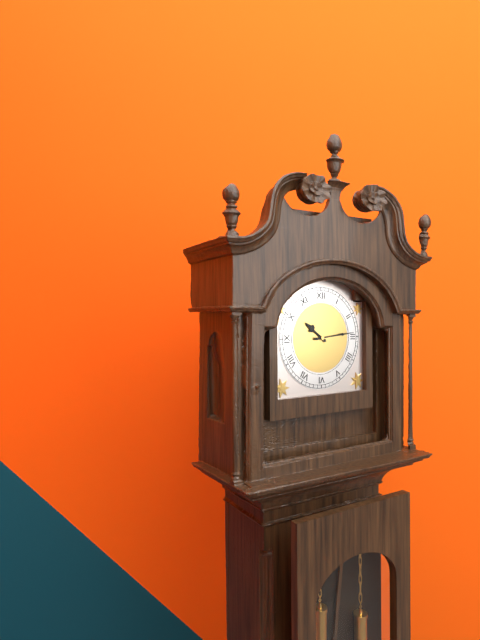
10:14
